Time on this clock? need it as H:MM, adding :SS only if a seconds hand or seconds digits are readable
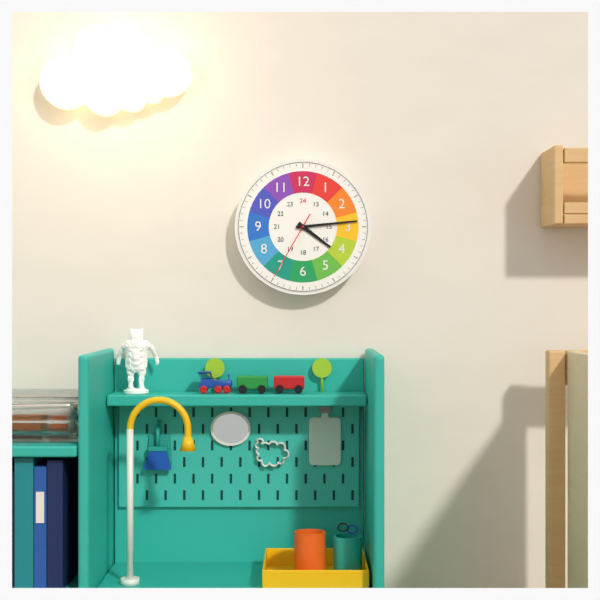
4:14:35
